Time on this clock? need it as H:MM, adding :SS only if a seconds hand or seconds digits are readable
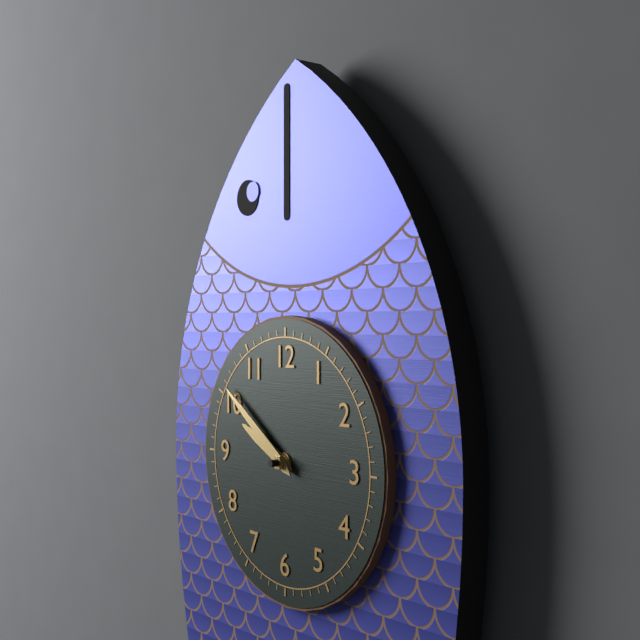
9:51
